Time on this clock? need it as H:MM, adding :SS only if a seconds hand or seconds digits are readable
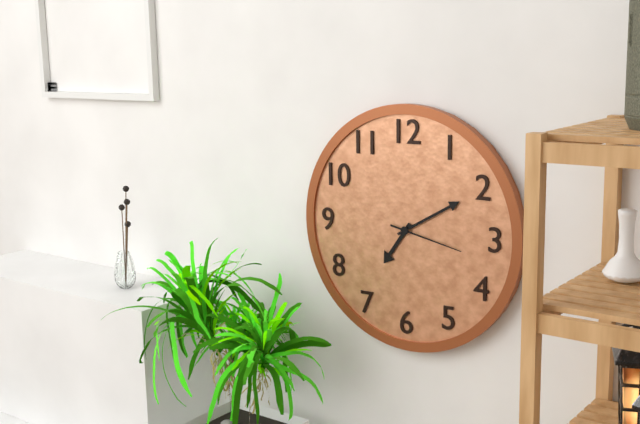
7:10:17
